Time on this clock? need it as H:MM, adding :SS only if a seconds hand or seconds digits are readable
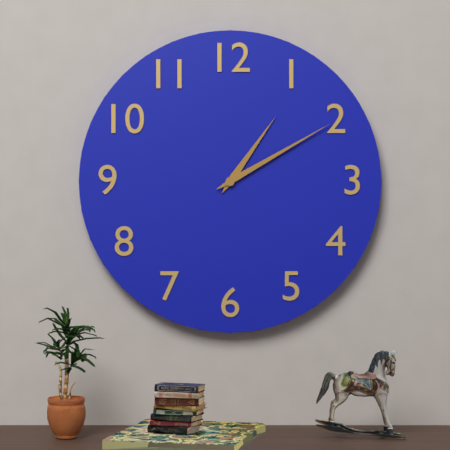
1:10
